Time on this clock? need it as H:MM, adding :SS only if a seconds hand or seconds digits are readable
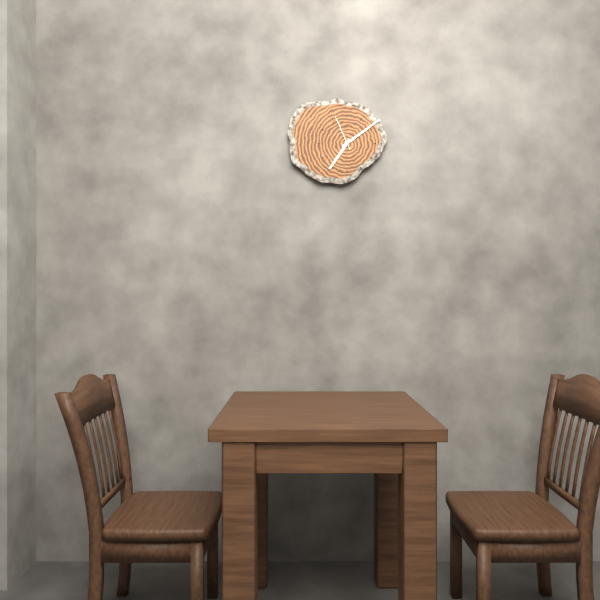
7:09
